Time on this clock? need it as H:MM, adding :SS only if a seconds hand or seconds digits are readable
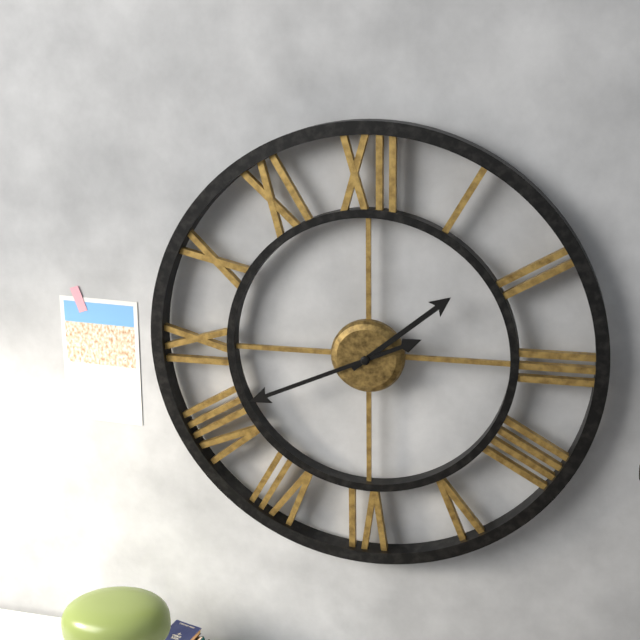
1:41
